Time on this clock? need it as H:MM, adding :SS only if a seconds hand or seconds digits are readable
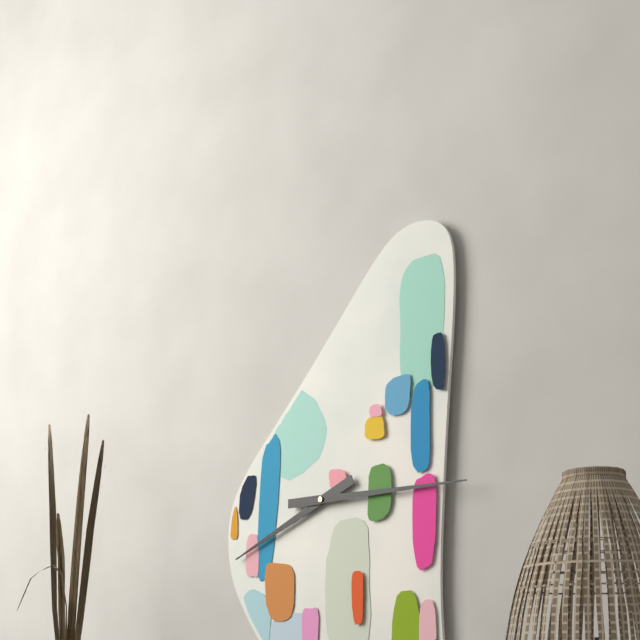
8:15
